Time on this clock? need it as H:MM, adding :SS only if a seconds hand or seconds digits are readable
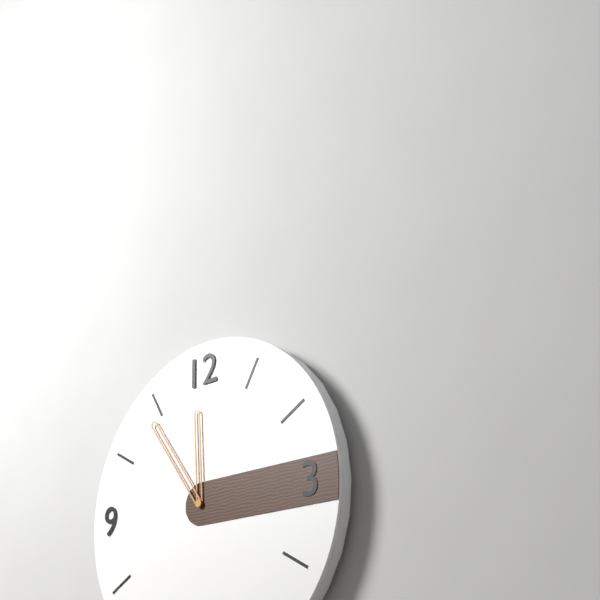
11:54
